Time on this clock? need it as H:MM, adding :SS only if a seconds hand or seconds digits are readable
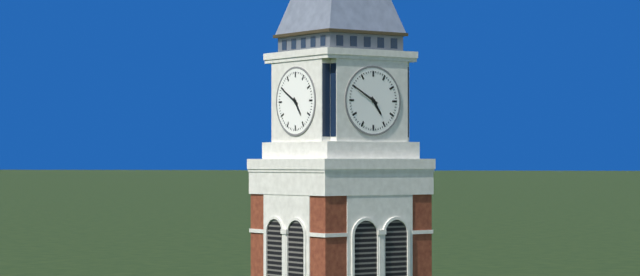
4:50
